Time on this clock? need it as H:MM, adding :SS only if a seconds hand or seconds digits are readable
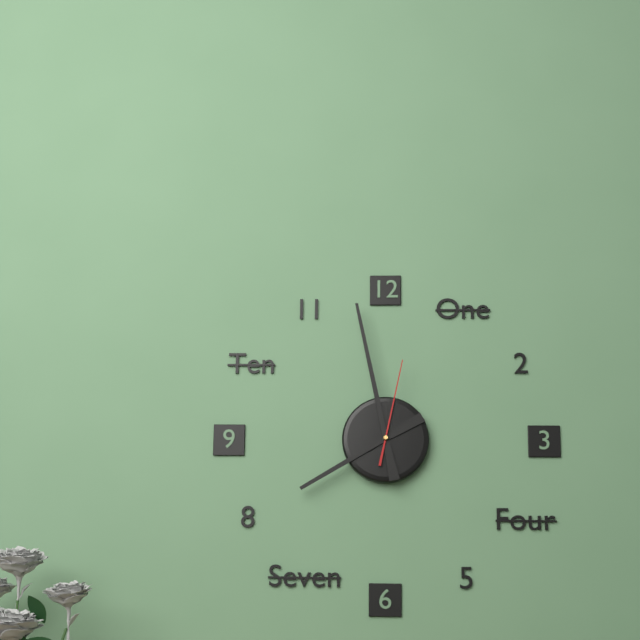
7:58:02
